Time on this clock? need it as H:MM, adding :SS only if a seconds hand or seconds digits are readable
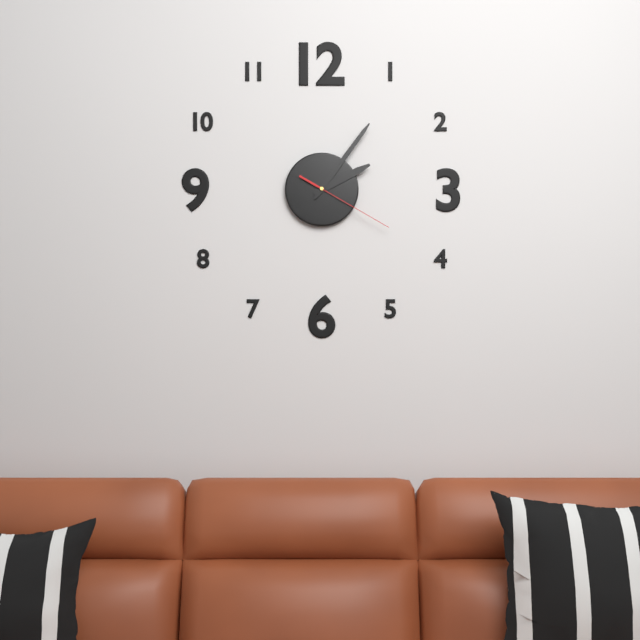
2:06:20
